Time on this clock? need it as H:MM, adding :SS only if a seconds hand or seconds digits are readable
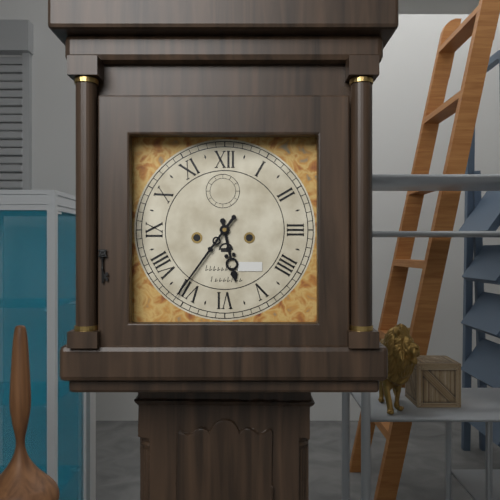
5:36
